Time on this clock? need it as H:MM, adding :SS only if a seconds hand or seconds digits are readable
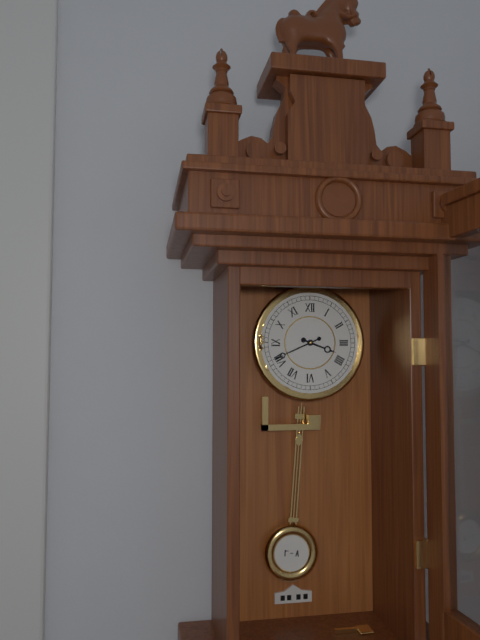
3:41
